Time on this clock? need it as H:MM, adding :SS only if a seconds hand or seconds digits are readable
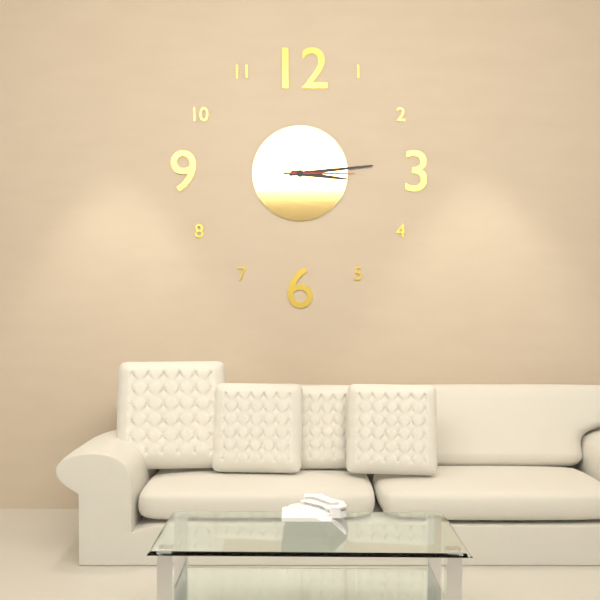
3:14:15
